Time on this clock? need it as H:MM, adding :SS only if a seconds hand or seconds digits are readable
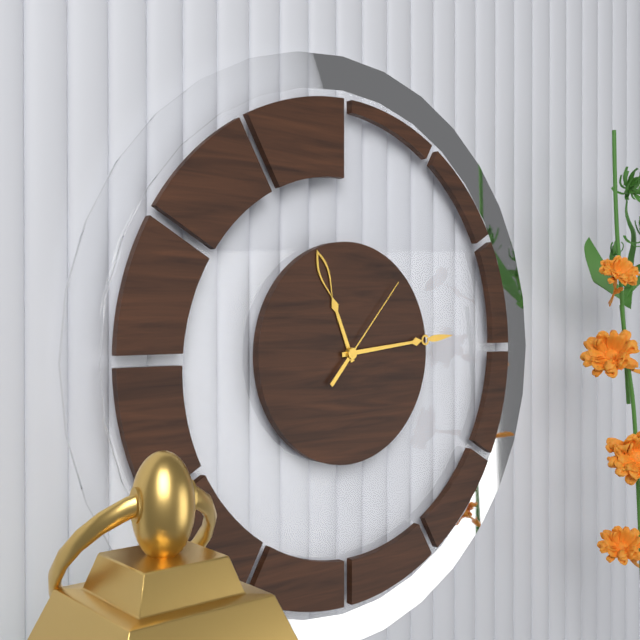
11:14:07
